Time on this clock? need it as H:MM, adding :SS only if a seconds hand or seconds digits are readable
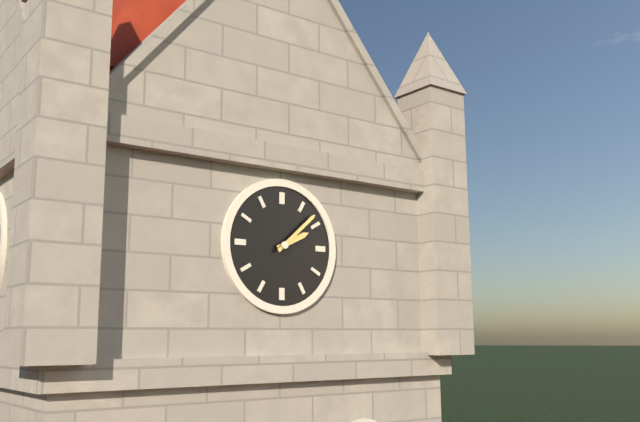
2:08
